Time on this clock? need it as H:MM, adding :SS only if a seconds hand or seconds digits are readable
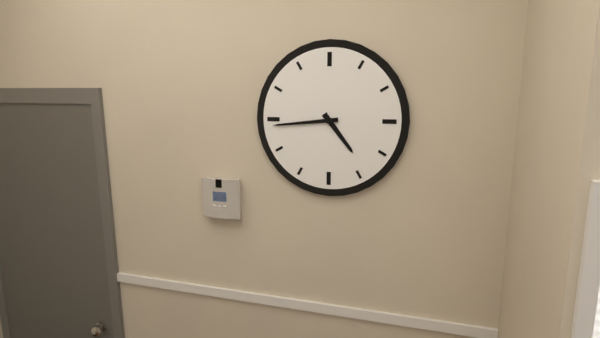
4:44
